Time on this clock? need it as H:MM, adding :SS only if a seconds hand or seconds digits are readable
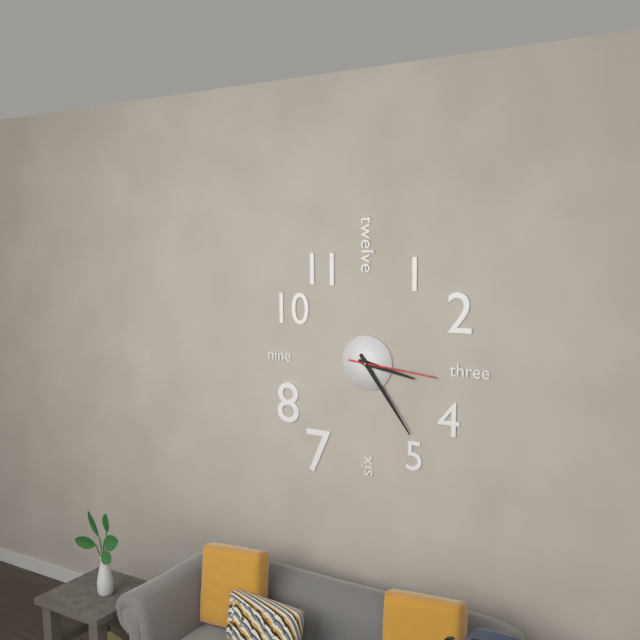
3:24:16
